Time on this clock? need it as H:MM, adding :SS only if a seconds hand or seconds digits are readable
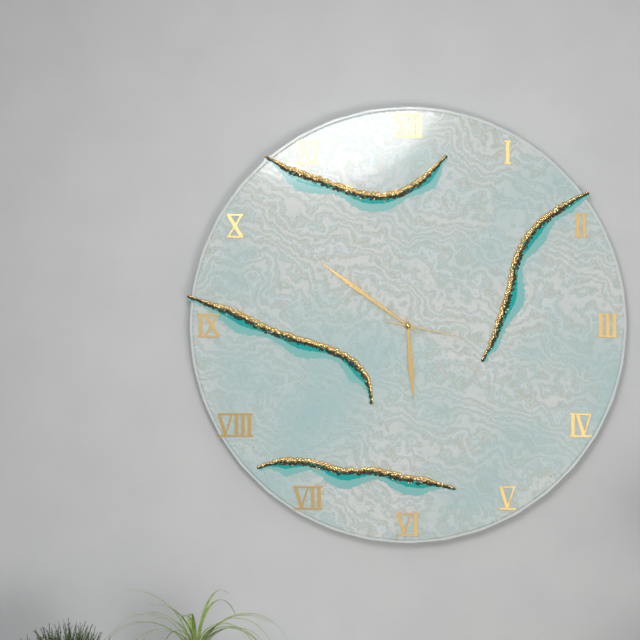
5:51:17
